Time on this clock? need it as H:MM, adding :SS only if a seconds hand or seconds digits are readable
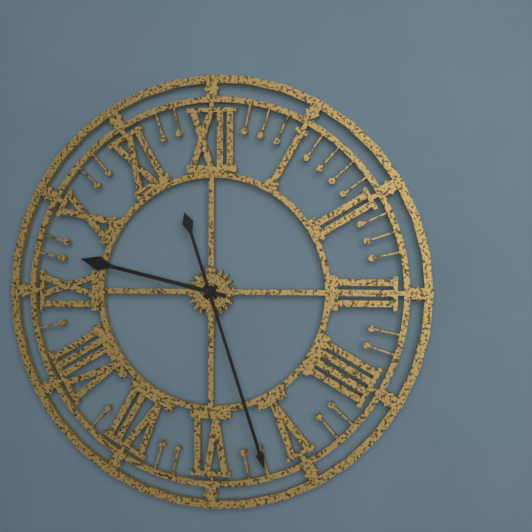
9:27
